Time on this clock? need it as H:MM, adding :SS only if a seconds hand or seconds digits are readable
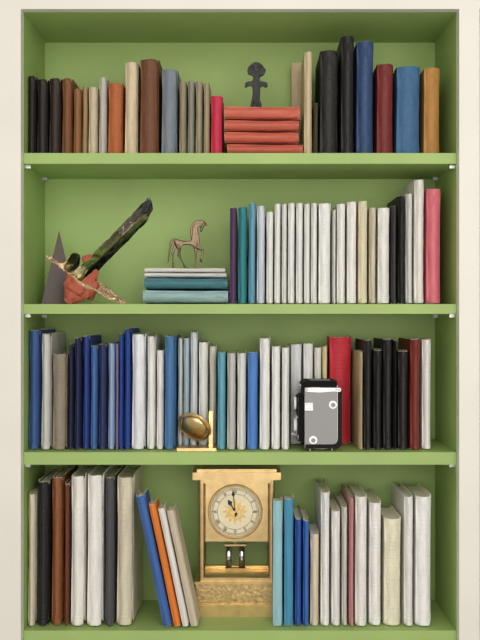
10:59
